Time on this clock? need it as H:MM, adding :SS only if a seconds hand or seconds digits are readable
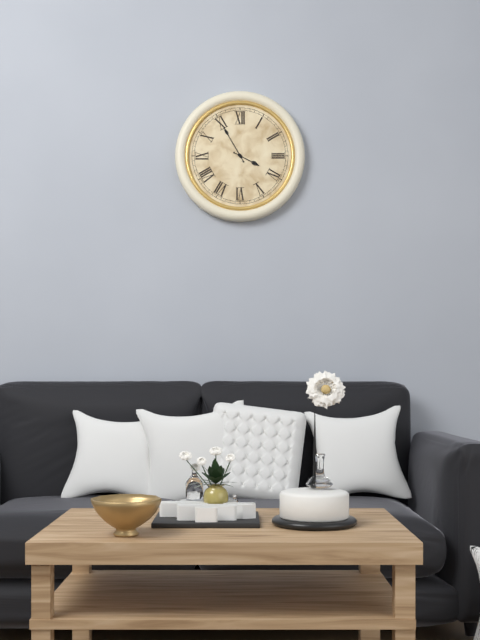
3:55
